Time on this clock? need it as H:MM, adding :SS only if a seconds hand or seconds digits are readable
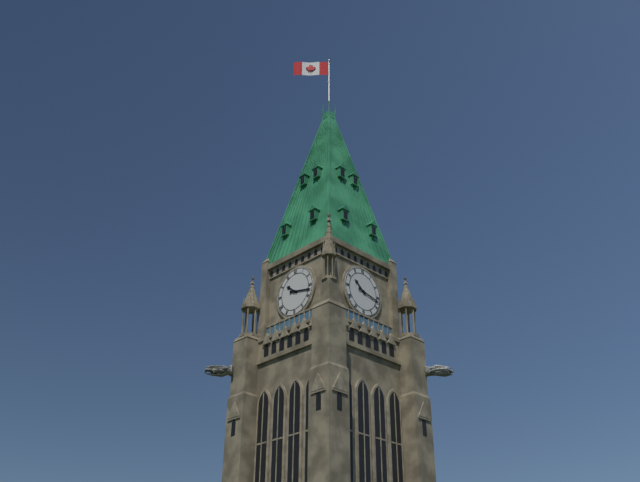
10:17
